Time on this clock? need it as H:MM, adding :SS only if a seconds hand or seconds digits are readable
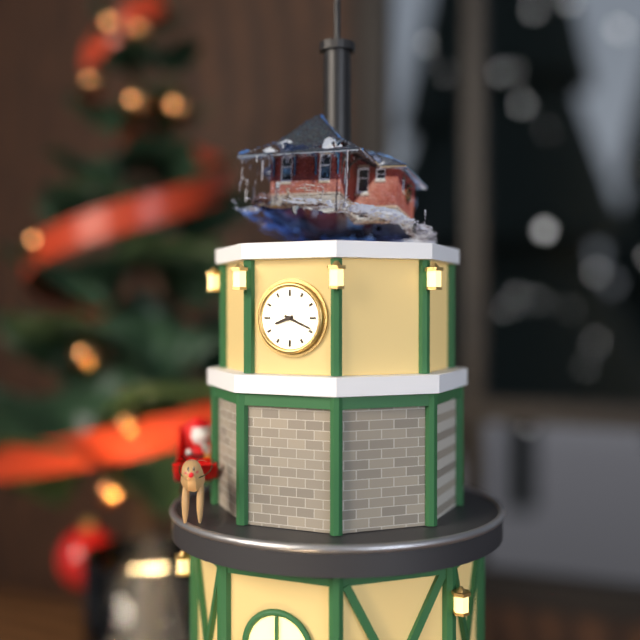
8:19
